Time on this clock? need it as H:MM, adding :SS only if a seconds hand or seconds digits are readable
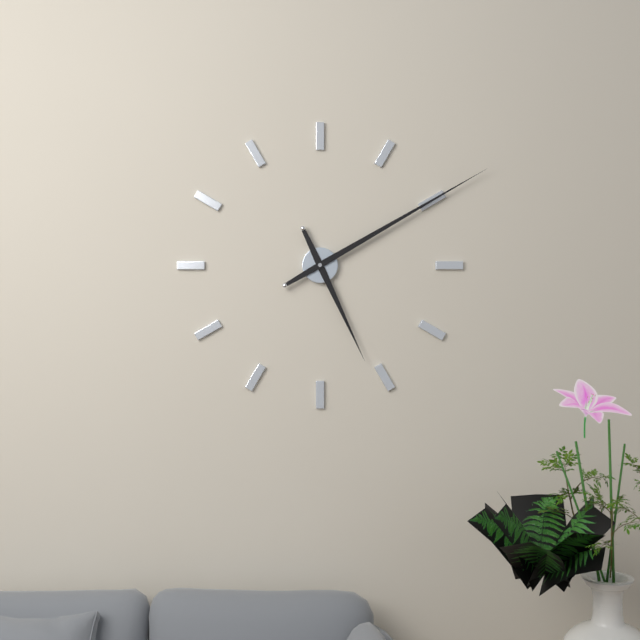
5:10
